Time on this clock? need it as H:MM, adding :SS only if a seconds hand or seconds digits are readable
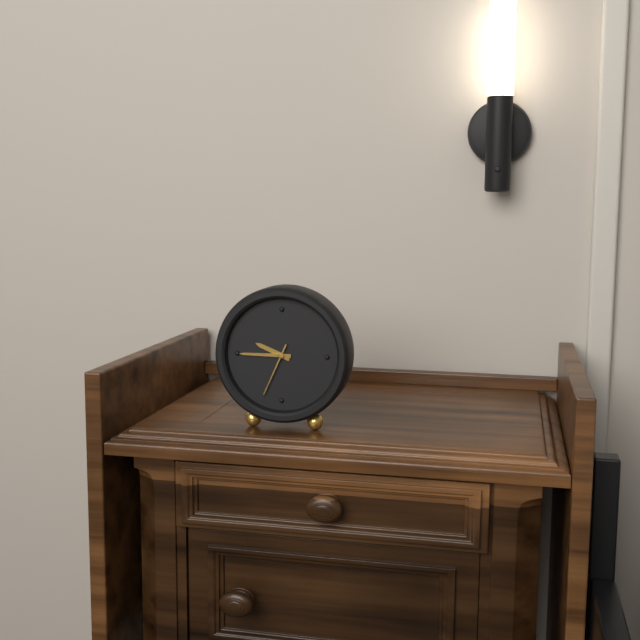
9:45:34
